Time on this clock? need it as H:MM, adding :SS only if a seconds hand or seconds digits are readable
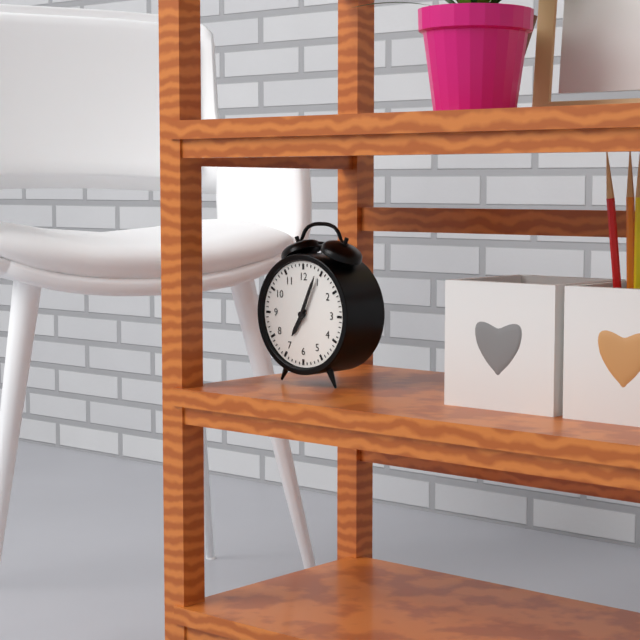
7:04
